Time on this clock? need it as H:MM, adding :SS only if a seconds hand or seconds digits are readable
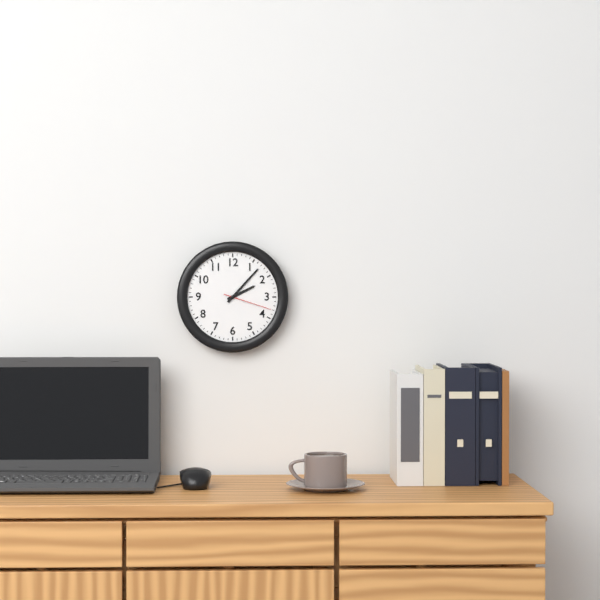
2:07:18
